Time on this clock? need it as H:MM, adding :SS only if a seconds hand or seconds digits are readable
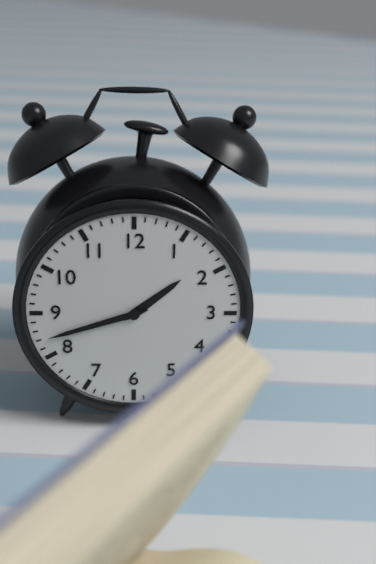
1:42
